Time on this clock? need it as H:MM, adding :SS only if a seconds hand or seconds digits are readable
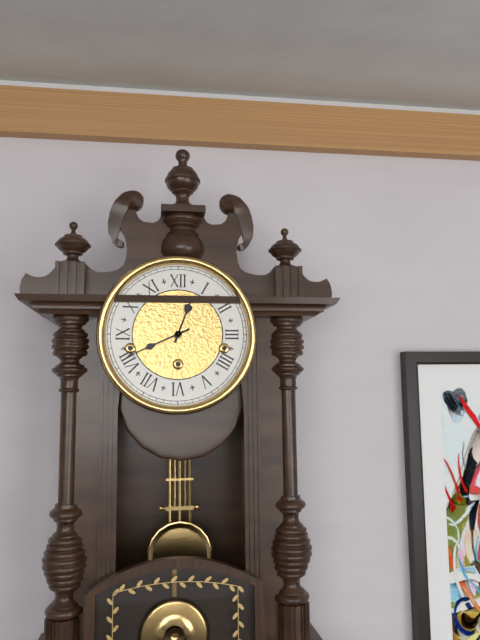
12:41
